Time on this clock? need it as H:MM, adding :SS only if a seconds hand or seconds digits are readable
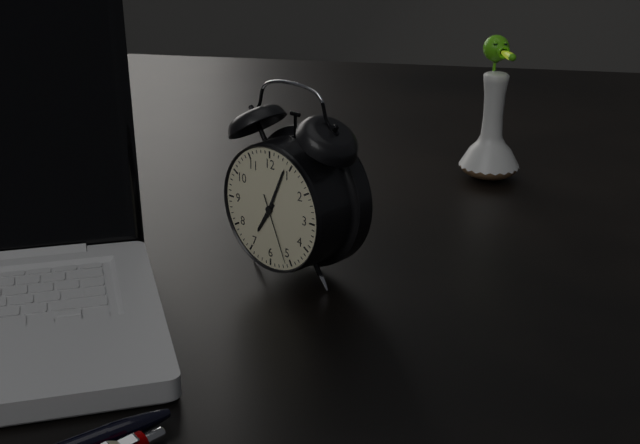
7:04:26
